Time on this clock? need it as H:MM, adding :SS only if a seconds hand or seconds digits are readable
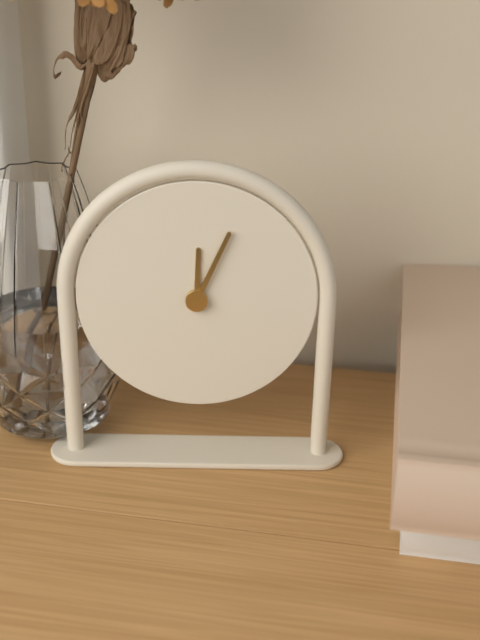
12:04
